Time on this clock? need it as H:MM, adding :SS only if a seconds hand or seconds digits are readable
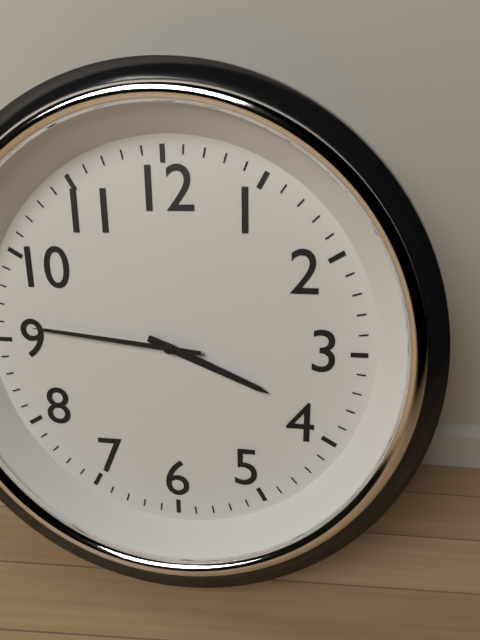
3:46
